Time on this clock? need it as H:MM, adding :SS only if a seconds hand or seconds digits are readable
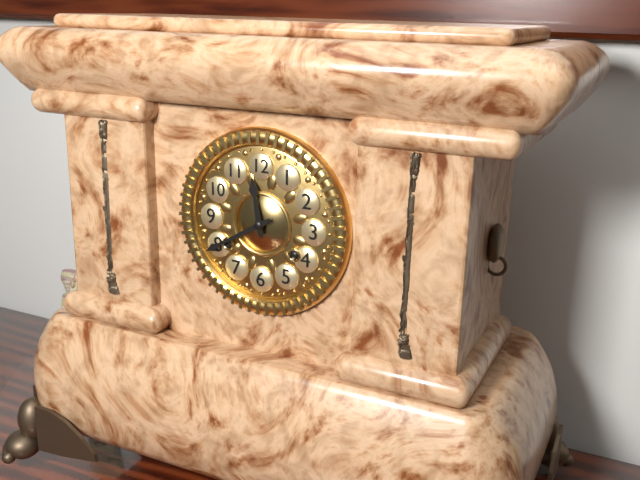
11:40
